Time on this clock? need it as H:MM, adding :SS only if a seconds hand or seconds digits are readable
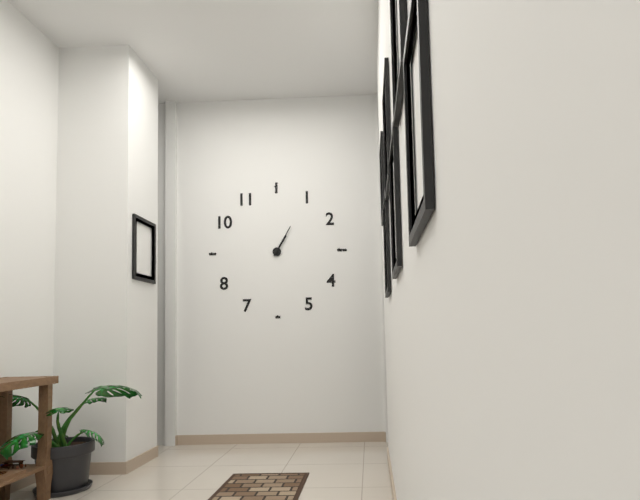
1:05
